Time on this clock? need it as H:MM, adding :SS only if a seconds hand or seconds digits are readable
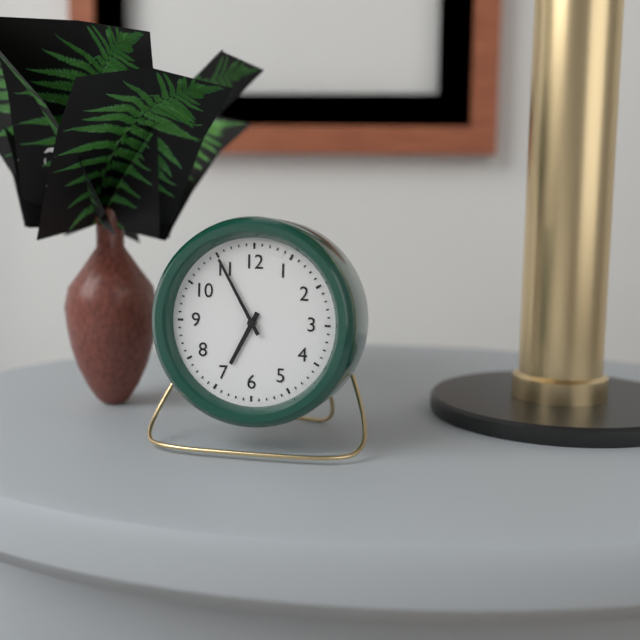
6:55
